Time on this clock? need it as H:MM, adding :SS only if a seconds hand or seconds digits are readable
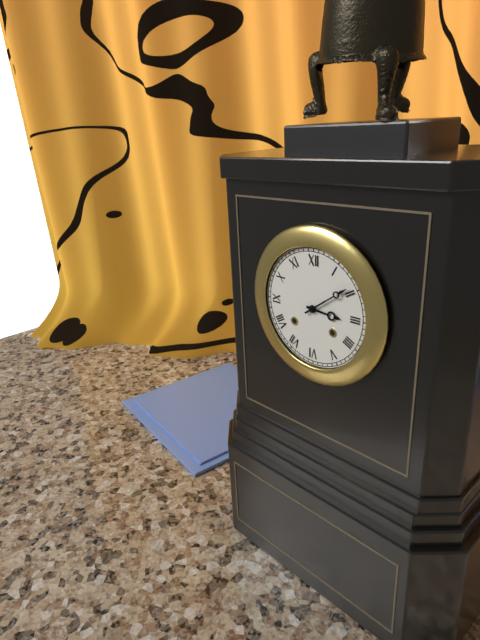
3:09
